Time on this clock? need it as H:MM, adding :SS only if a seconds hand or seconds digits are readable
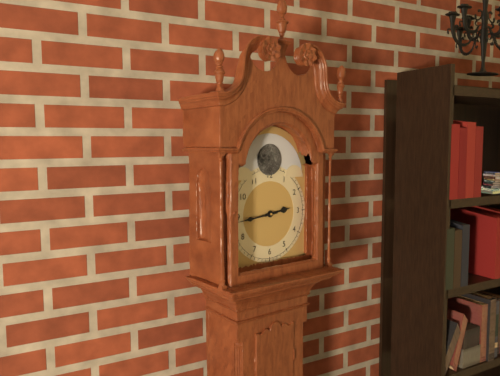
2:44
